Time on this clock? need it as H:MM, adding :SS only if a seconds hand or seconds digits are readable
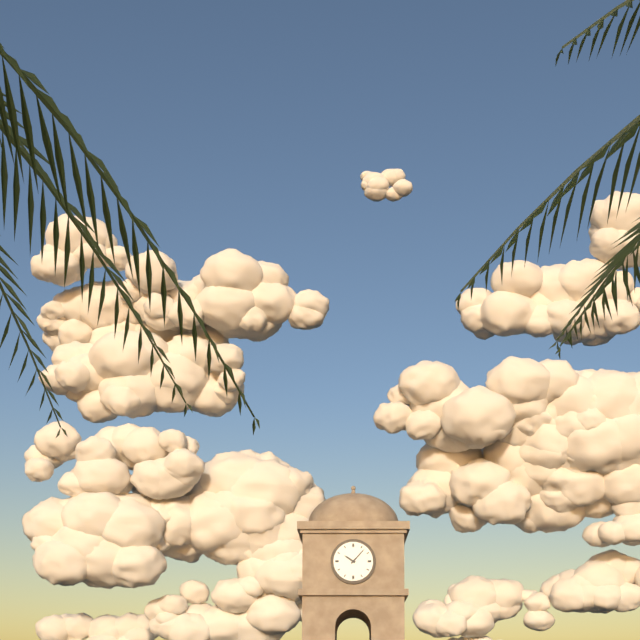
10:07
